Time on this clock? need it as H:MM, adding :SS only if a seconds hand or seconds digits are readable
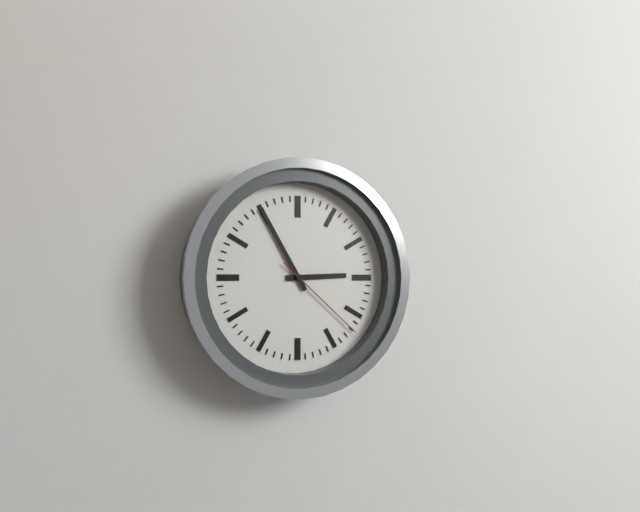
2:55:22
